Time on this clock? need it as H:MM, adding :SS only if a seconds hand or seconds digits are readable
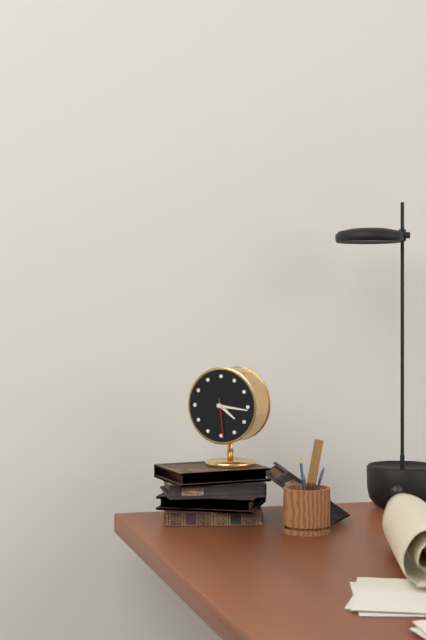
4:16
